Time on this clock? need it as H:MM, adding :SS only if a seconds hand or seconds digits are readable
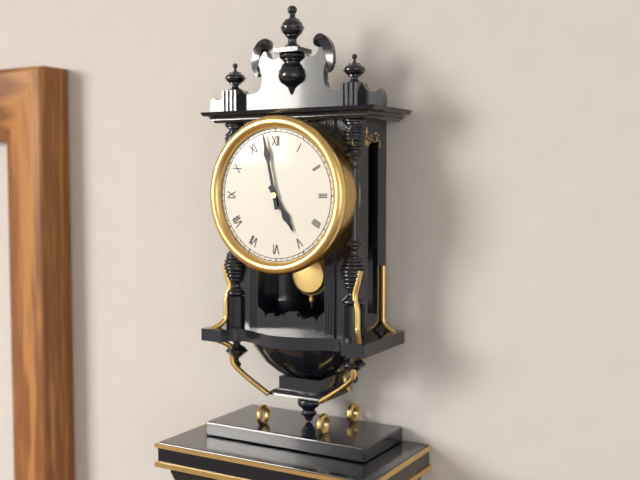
4:58
